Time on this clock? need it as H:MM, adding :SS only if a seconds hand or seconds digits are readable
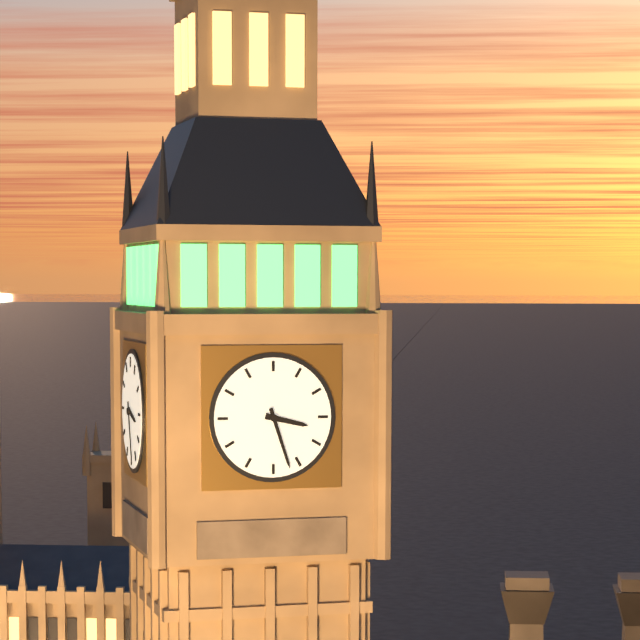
3:27
